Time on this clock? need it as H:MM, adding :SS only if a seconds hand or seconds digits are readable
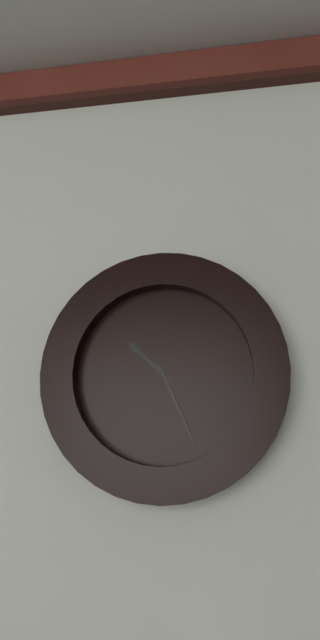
10:26
